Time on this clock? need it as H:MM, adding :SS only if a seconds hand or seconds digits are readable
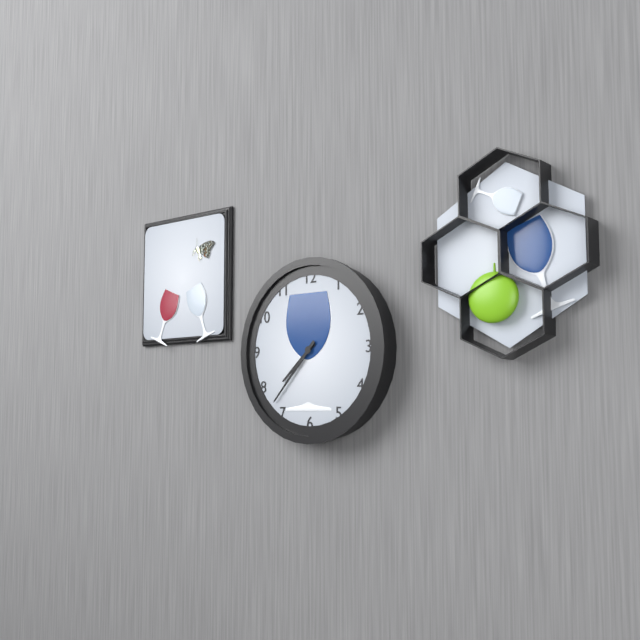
7:37
